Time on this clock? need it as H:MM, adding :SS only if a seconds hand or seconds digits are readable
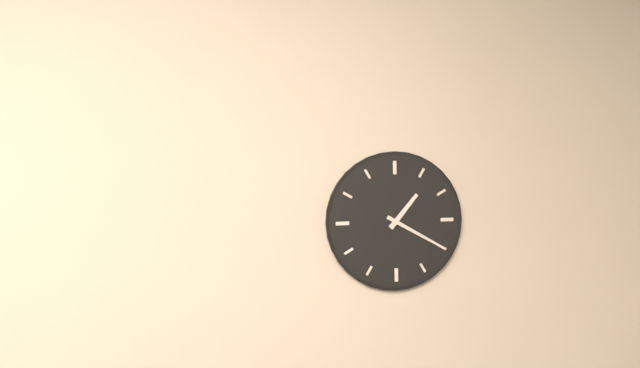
1:20
